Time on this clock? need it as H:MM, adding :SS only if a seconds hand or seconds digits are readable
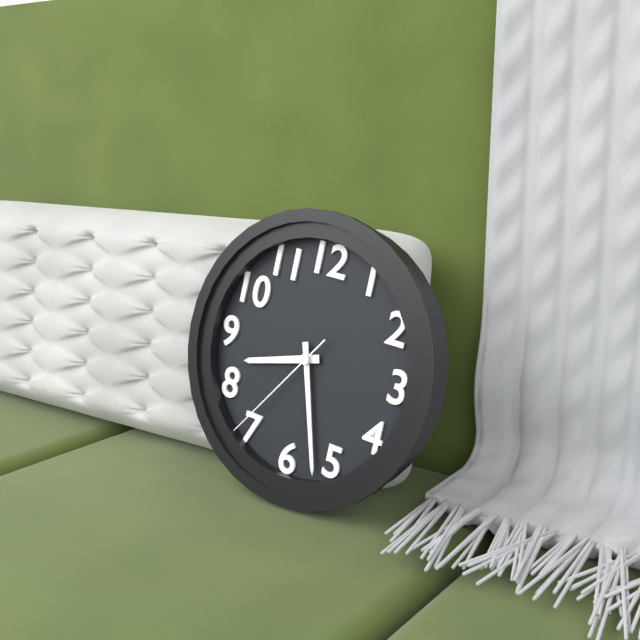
8:27:36
